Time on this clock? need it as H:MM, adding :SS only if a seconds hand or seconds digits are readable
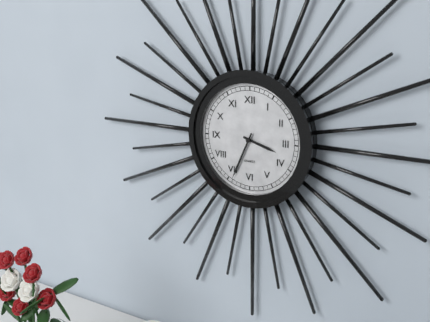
3:34
